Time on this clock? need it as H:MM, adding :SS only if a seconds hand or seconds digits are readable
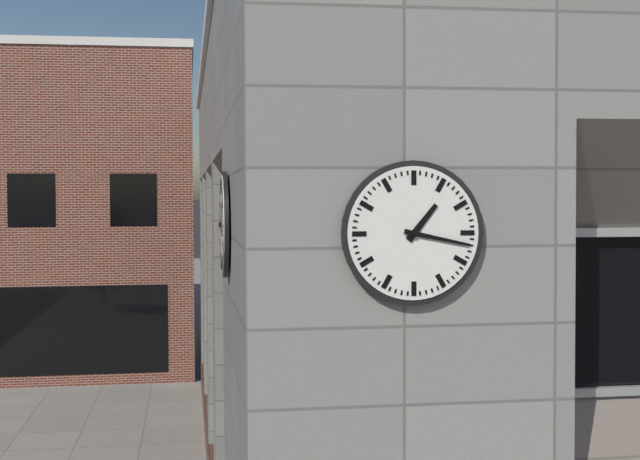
1:17
